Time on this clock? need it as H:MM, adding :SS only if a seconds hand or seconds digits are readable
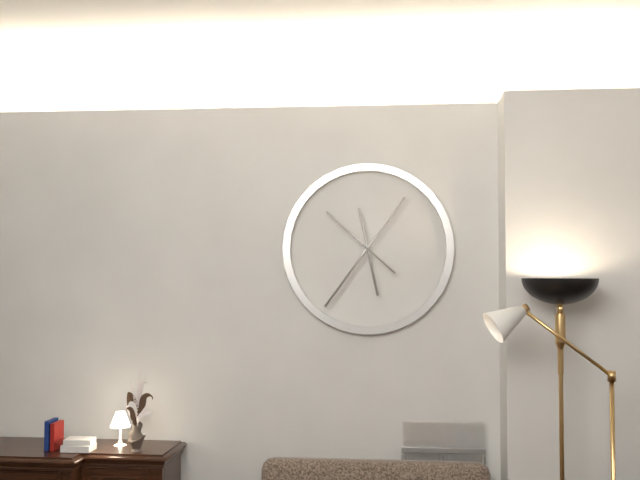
5:36:52
